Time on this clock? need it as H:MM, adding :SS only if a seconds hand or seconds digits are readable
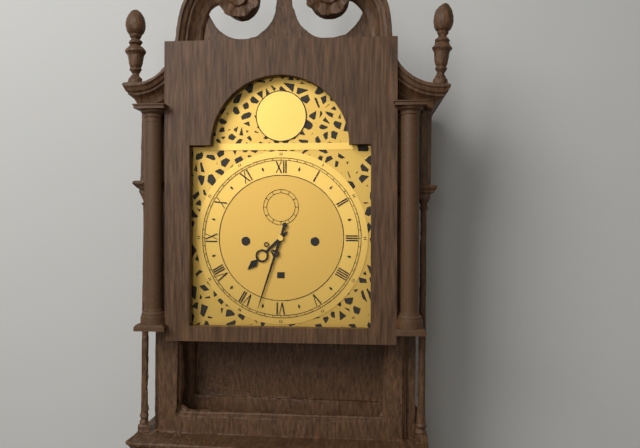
7:33
